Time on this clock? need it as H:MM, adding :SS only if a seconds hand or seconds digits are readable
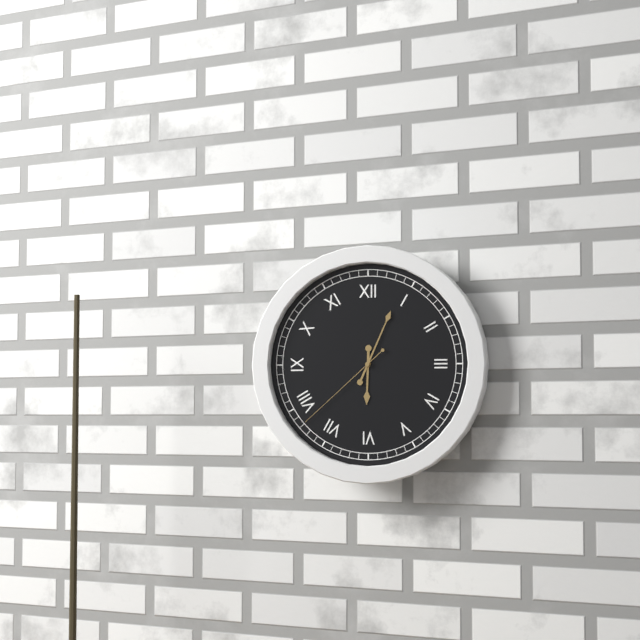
6:04:38
